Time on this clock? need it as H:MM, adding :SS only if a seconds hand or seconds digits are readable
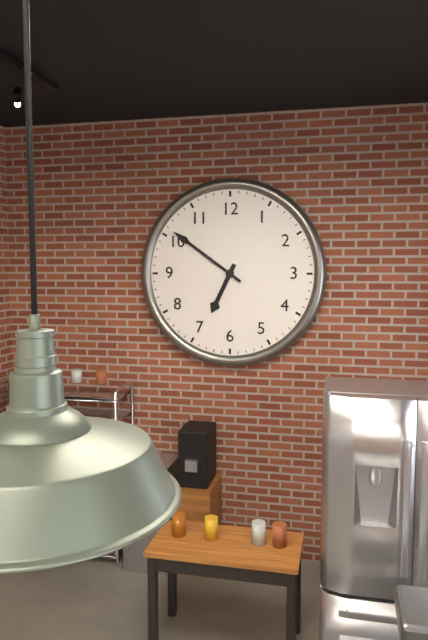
6:51
